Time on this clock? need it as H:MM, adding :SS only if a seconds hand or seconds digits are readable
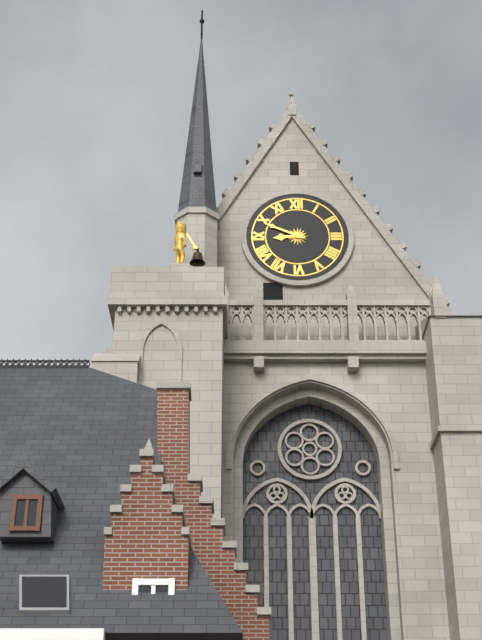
8:49
